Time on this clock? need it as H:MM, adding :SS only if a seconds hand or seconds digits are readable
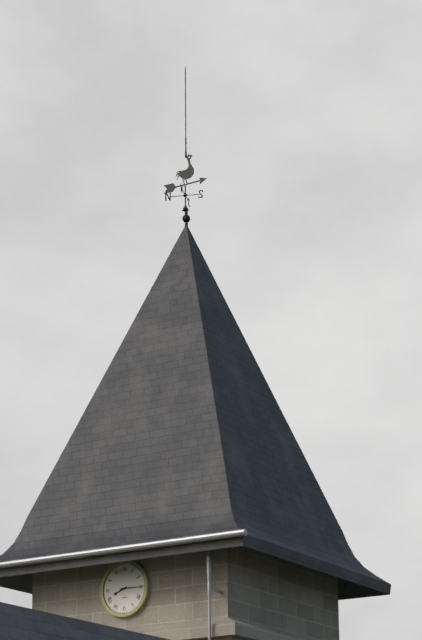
8:15
